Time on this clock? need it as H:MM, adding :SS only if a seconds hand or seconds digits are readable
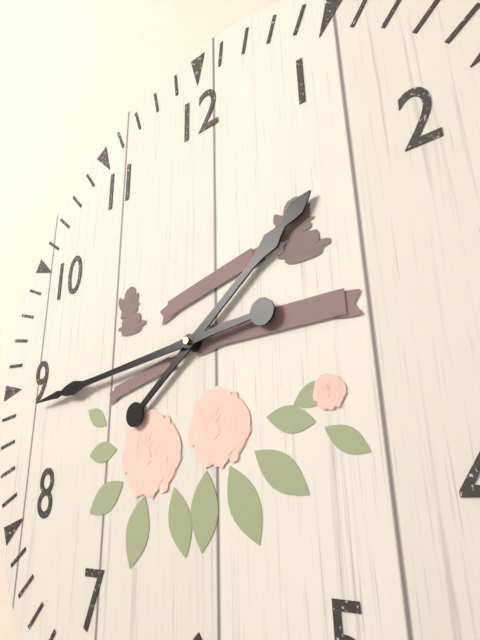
1:44
